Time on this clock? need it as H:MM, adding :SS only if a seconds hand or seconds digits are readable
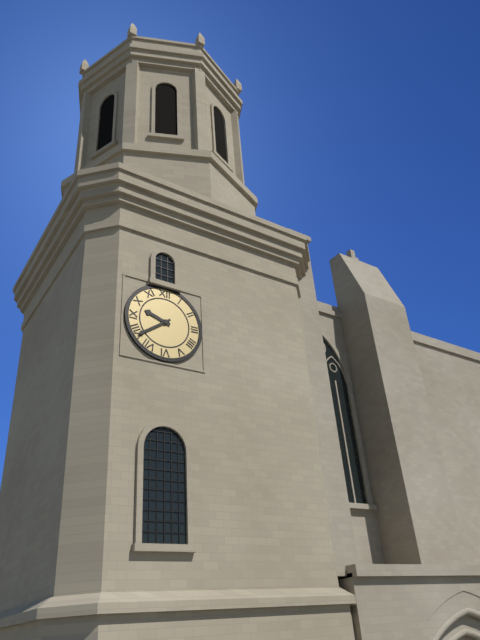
9:39
